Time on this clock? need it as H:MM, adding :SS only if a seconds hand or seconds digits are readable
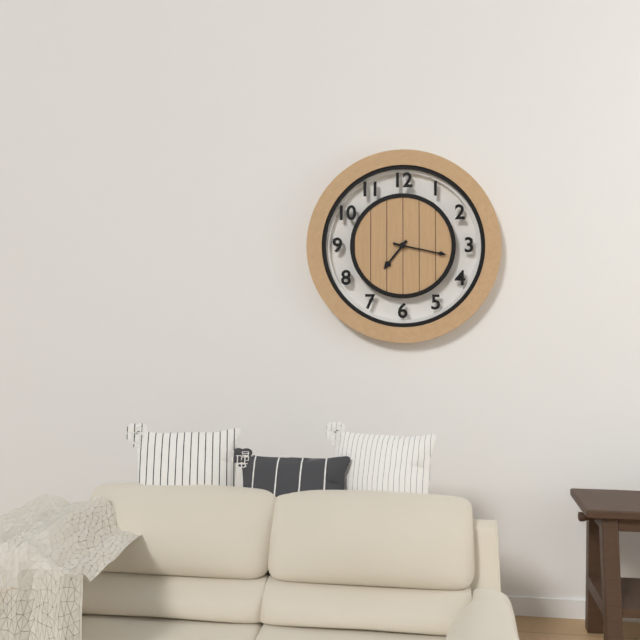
7:17
